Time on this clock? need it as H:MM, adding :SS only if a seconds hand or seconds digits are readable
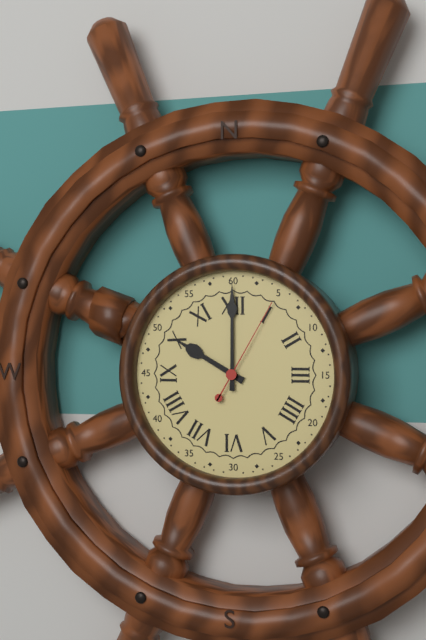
10:00:05
